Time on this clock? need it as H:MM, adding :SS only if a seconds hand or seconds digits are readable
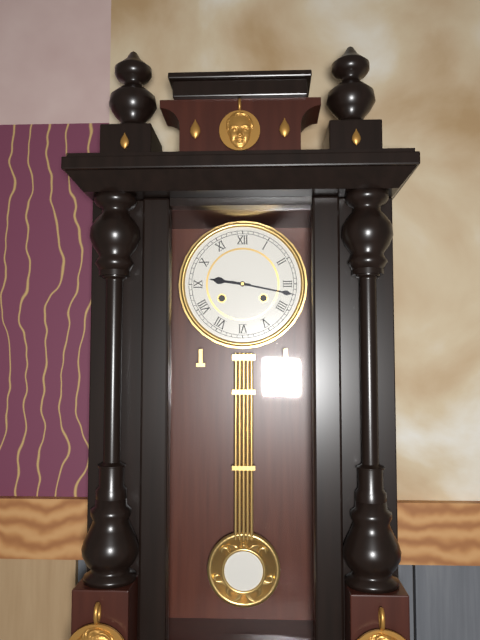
9:17
